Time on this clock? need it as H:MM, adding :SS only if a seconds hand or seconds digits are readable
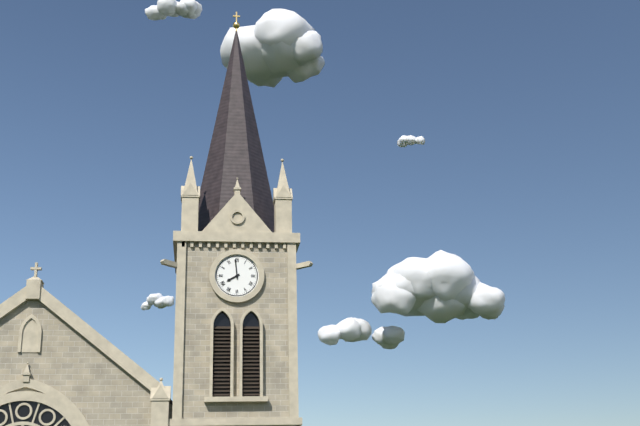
7:59
